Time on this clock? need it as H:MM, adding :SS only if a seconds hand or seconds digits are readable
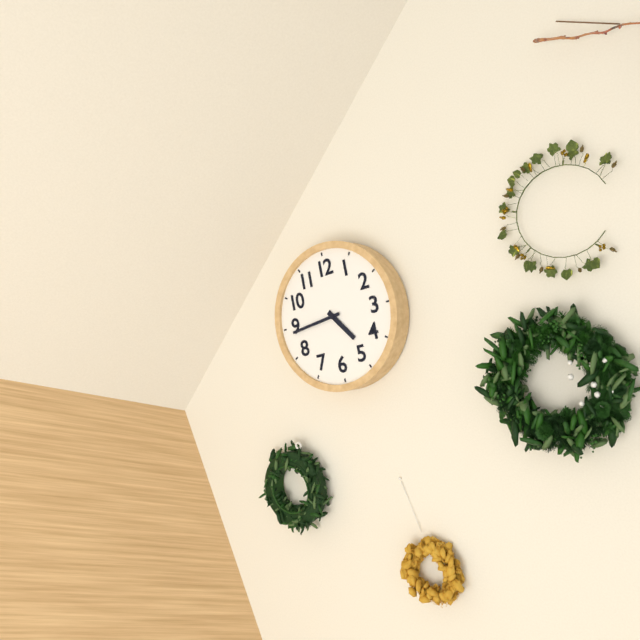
4:44
